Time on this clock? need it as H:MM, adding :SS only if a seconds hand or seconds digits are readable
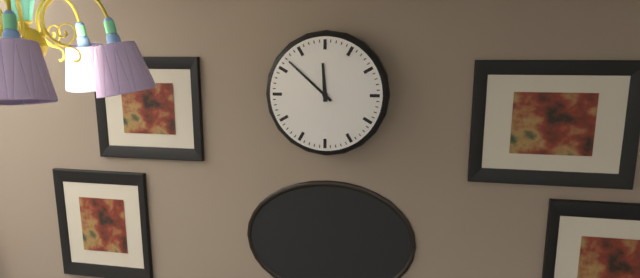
11:52
